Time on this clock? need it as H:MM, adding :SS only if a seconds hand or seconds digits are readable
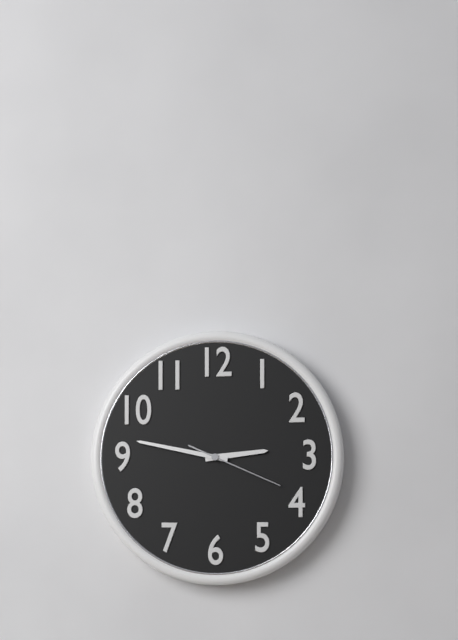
2:47:19
